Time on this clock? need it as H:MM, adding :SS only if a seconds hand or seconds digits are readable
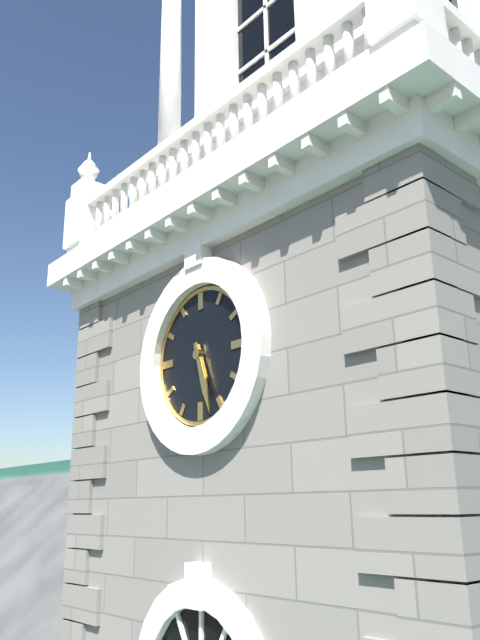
5:27
